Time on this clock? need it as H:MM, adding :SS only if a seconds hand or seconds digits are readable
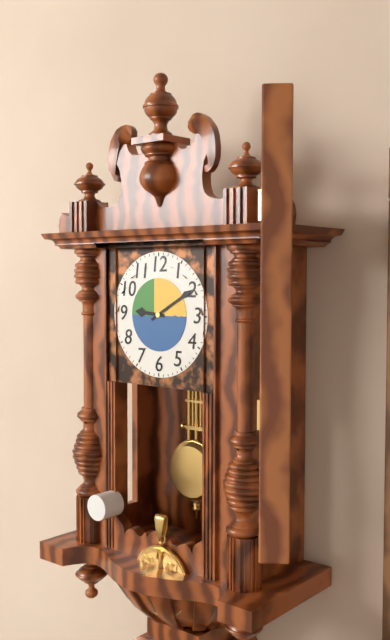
9:10
